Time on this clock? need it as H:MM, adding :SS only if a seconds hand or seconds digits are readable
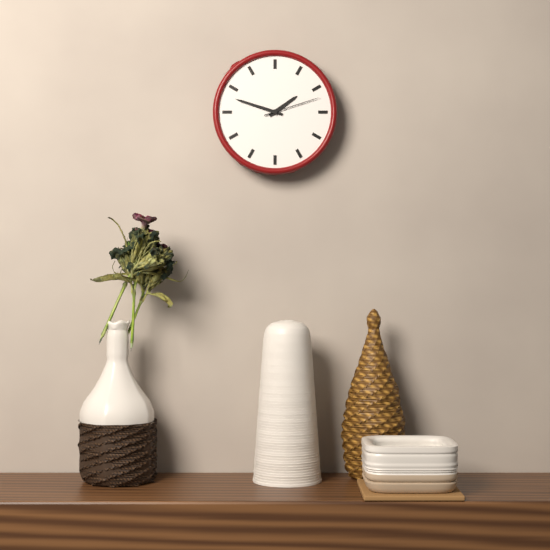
1:48:12
